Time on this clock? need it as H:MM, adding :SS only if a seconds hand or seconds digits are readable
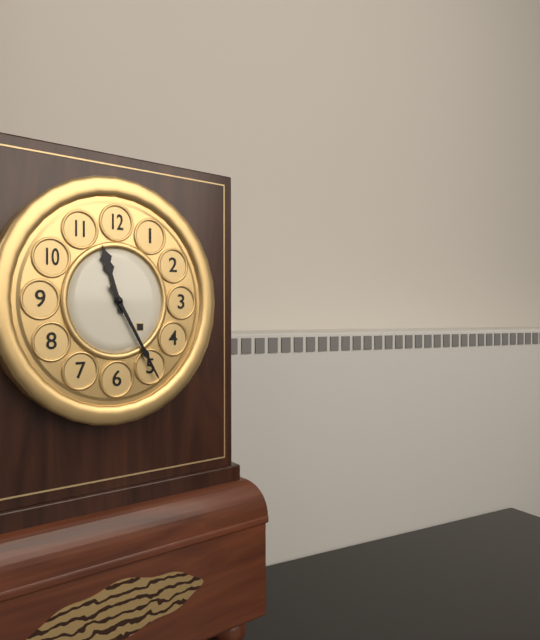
11:25
